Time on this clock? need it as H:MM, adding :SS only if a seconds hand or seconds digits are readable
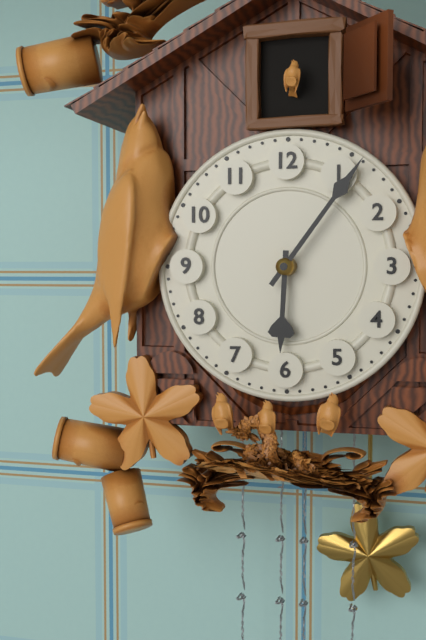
6:06
